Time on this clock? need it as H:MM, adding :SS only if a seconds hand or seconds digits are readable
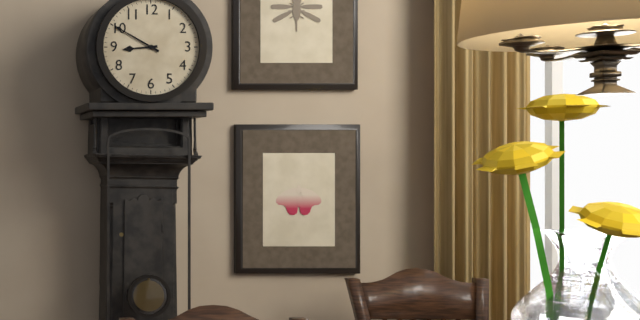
8:50
